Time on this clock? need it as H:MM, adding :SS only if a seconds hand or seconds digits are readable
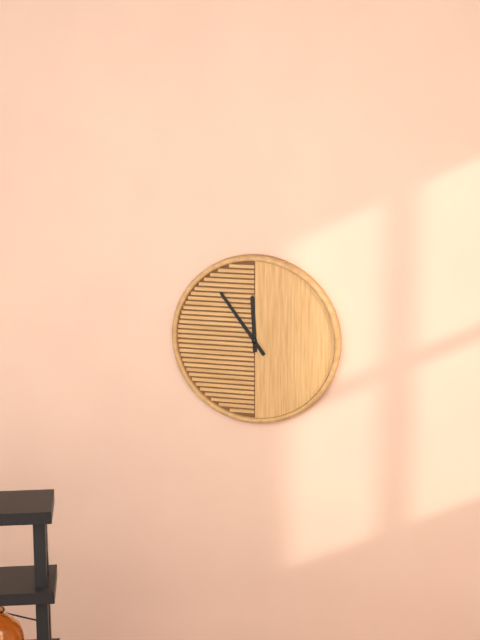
11:54
